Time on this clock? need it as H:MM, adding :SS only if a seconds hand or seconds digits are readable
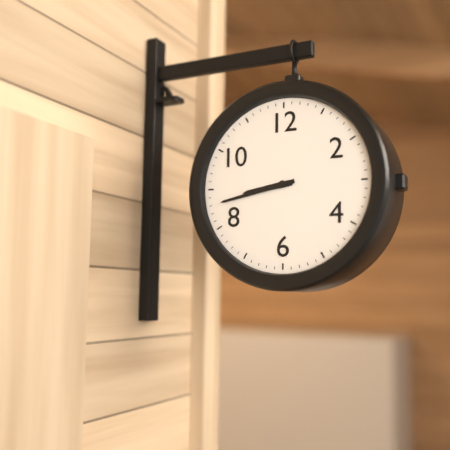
8:43
